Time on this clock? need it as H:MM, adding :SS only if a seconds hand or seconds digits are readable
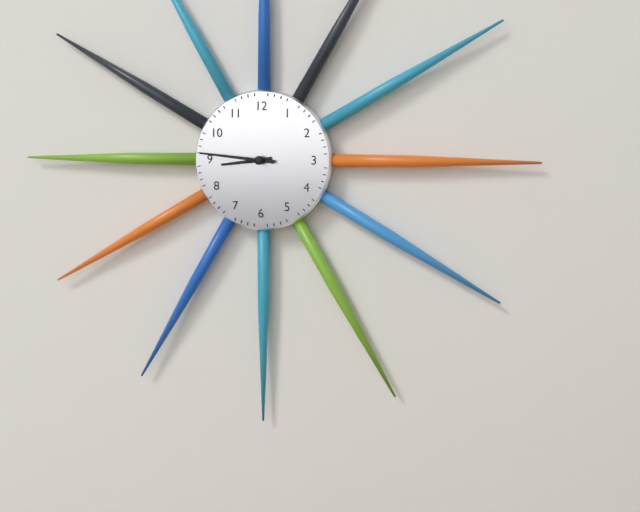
8:46
